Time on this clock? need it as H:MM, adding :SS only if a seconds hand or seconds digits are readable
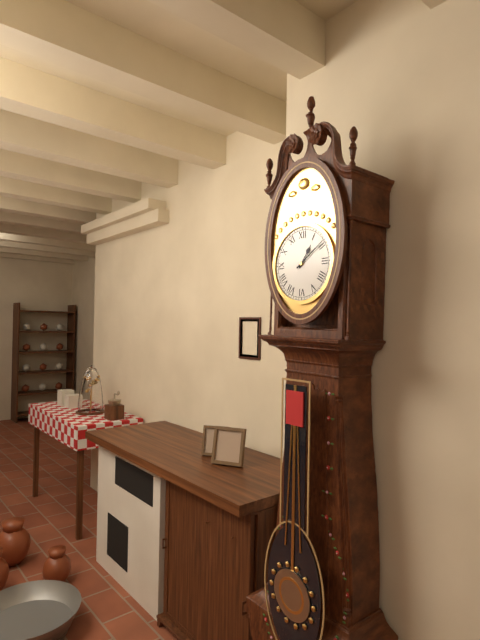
1:09
